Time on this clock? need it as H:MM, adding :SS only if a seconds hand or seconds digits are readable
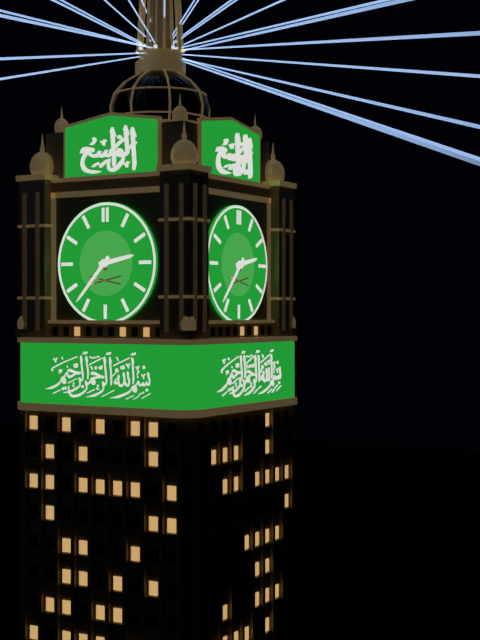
2:37
